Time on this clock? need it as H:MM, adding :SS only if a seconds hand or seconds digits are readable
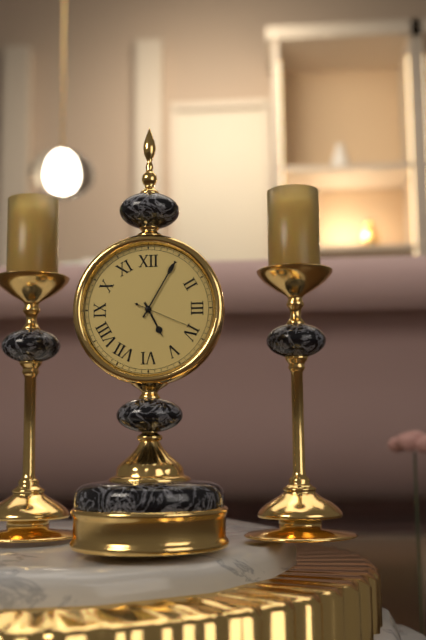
5:05:19
